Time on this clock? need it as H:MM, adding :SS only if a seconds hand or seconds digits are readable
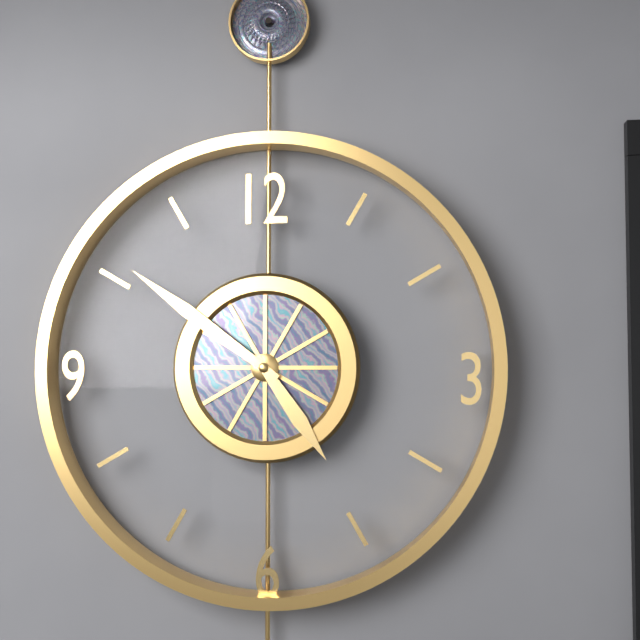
4:51
